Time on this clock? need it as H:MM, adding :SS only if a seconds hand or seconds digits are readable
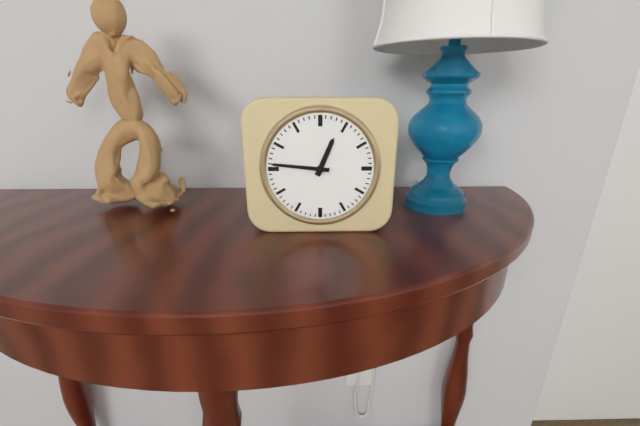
12:46
